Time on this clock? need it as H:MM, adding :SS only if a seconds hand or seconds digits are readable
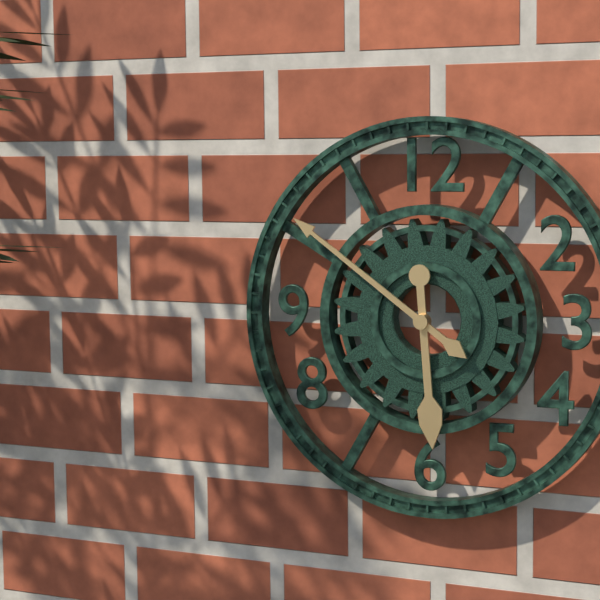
5:51
